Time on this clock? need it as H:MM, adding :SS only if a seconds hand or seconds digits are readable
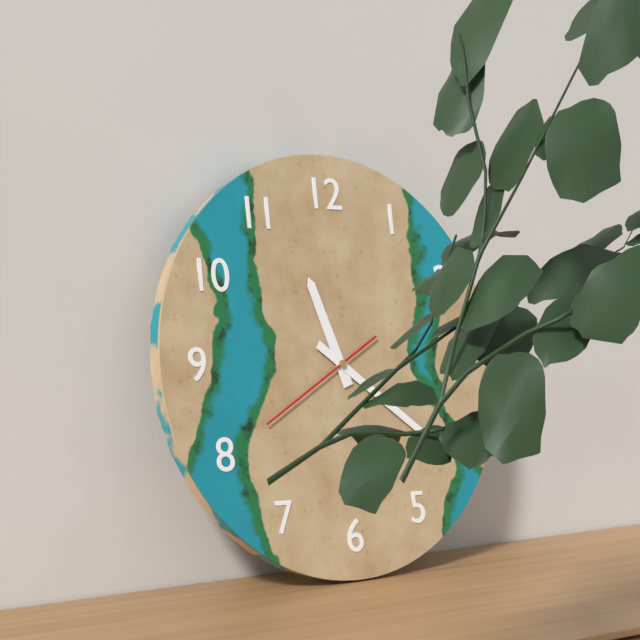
11:21:40
